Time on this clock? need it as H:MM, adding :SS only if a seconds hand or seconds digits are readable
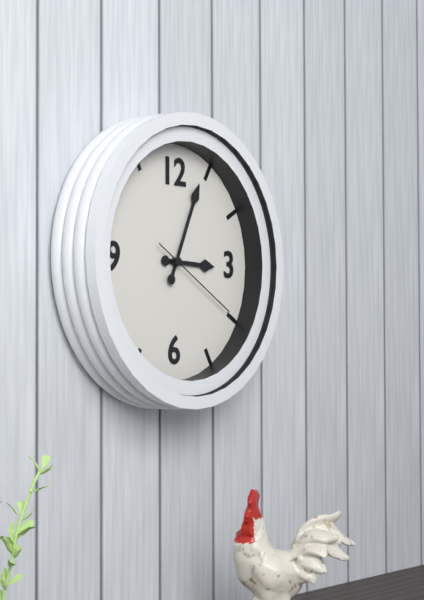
3:04:20
